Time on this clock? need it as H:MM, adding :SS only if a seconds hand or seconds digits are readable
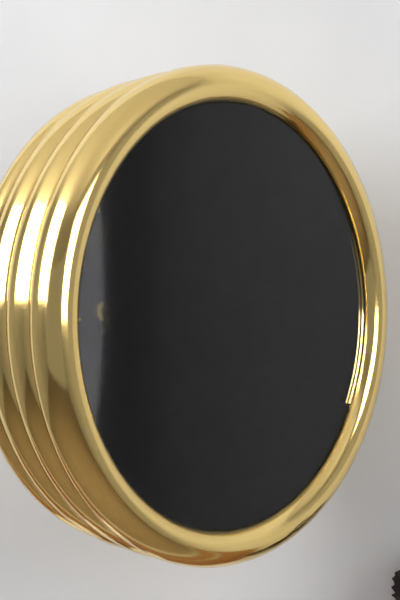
8:06:43
